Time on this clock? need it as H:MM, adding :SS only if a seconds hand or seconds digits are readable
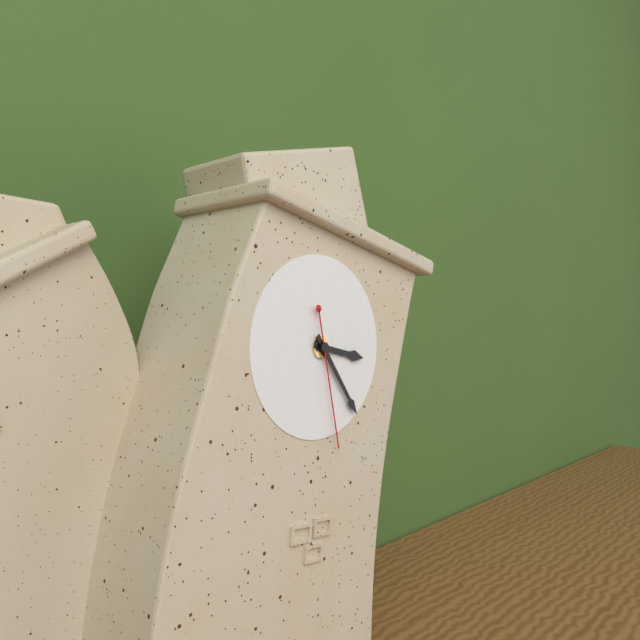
3:24:28
